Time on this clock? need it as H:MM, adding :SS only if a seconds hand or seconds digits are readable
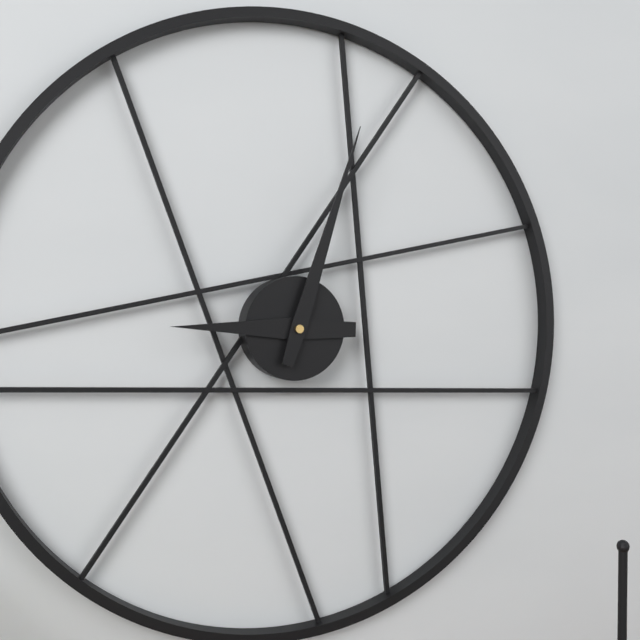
9:03
